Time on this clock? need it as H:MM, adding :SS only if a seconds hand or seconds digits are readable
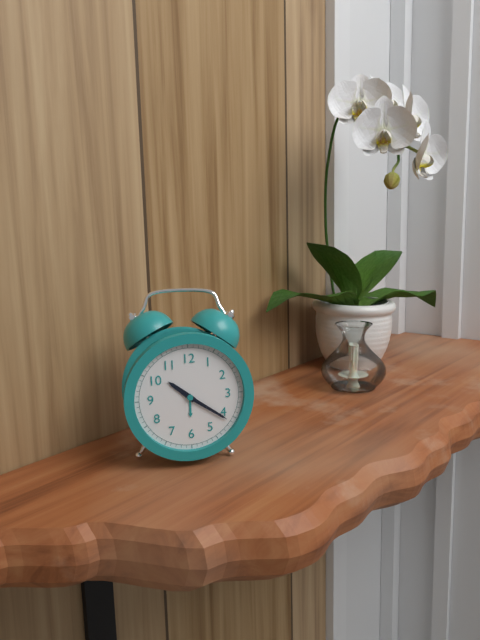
10:21
